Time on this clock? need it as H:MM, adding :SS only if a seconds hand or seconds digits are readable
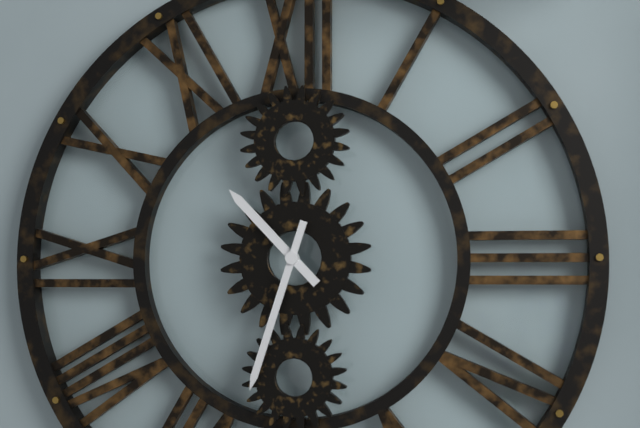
10:33
